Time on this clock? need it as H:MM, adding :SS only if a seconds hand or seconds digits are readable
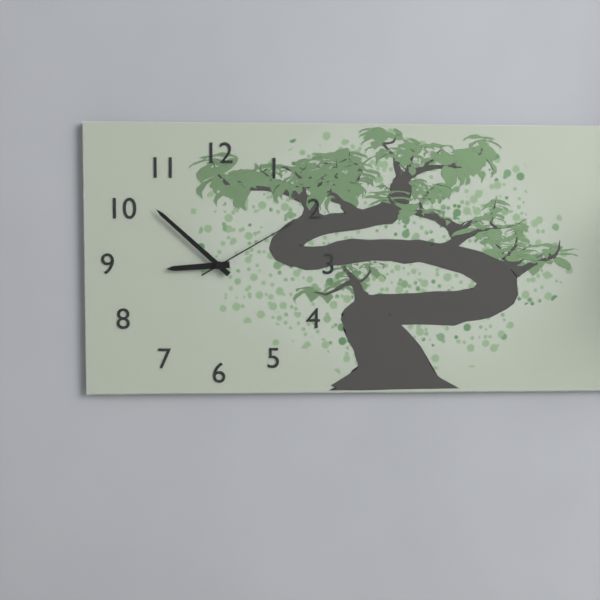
8:52:10
